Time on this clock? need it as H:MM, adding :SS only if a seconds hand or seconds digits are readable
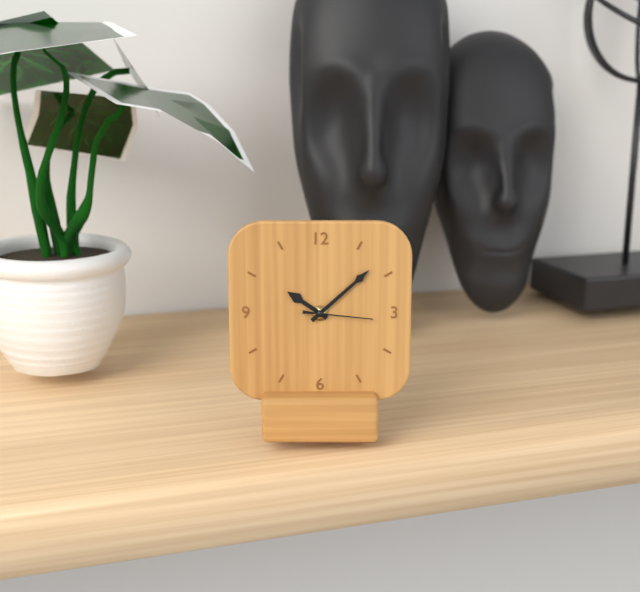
10:08:16
